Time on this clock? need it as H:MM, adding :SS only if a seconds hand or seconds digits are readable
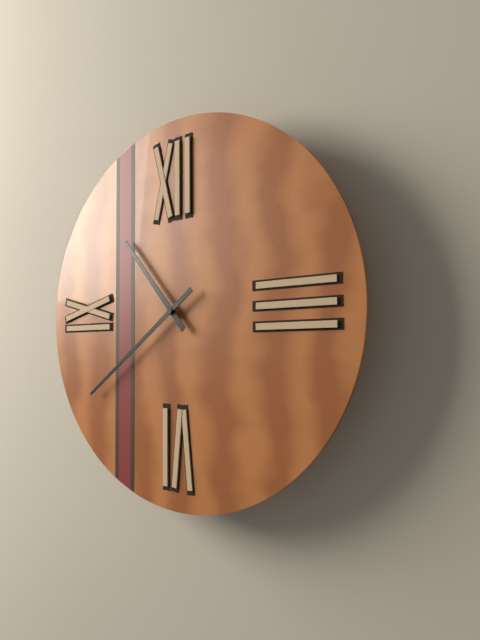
10:39
